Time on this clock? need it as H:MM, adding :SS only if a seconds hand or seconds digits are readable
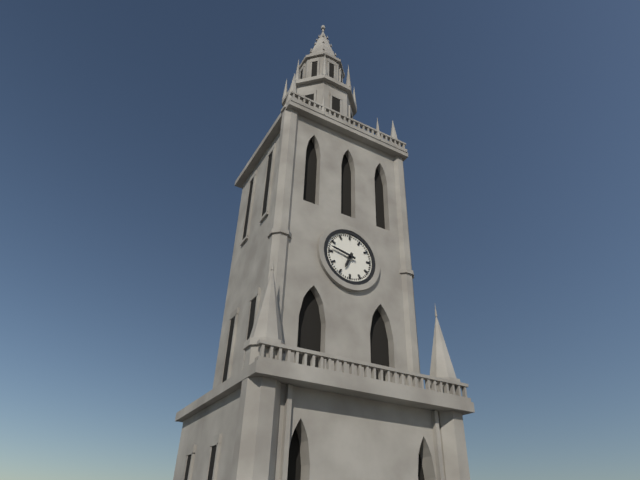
6:47
